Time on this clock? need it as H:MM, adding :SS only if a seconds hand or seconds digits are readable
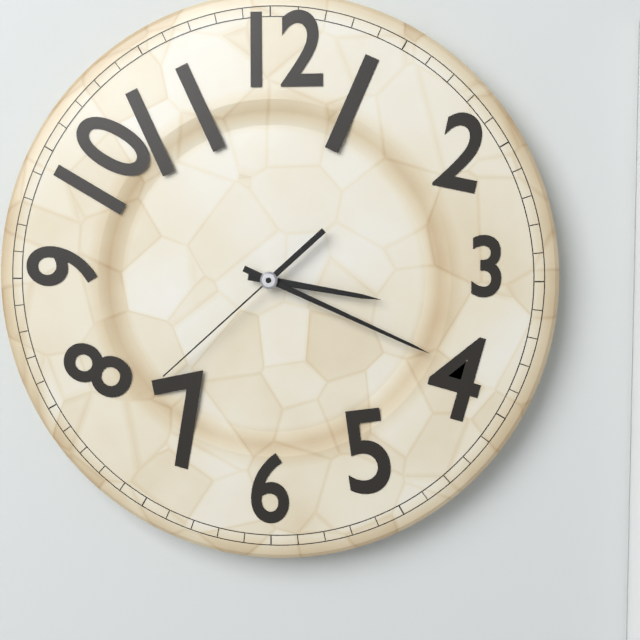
3:19:38
